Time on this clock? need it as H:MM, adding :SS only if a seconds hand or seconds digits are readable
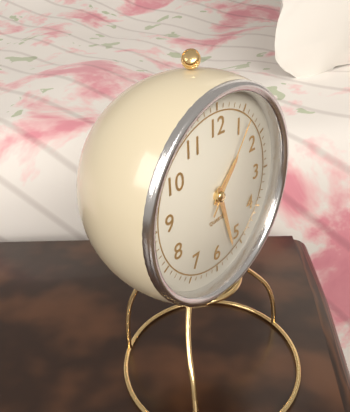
1:27:06
